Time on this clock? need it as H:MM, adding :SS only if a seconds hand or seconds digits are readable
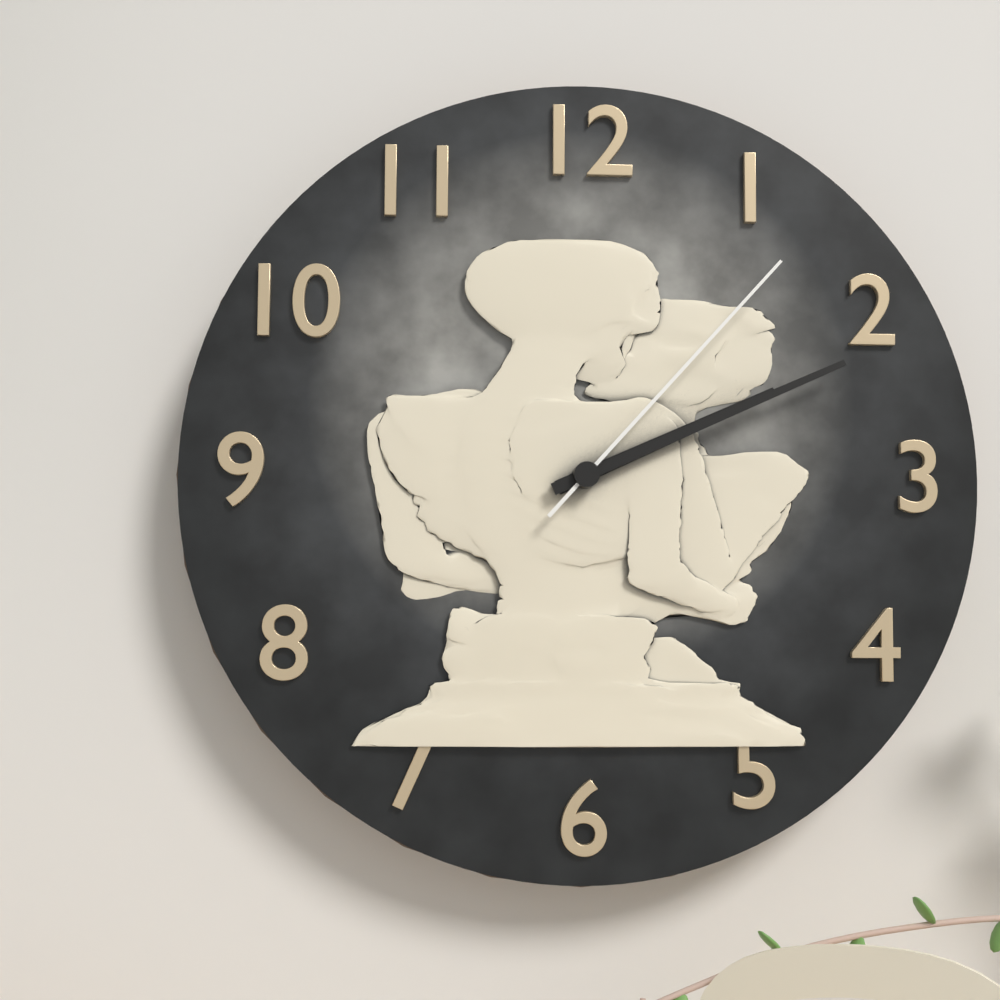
2:11:07
